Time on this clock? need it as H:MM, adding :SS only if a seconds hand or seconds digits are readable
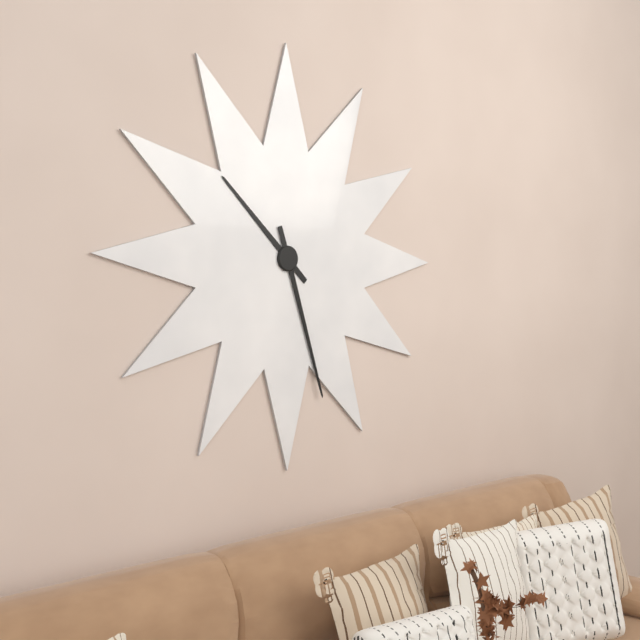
10:27
